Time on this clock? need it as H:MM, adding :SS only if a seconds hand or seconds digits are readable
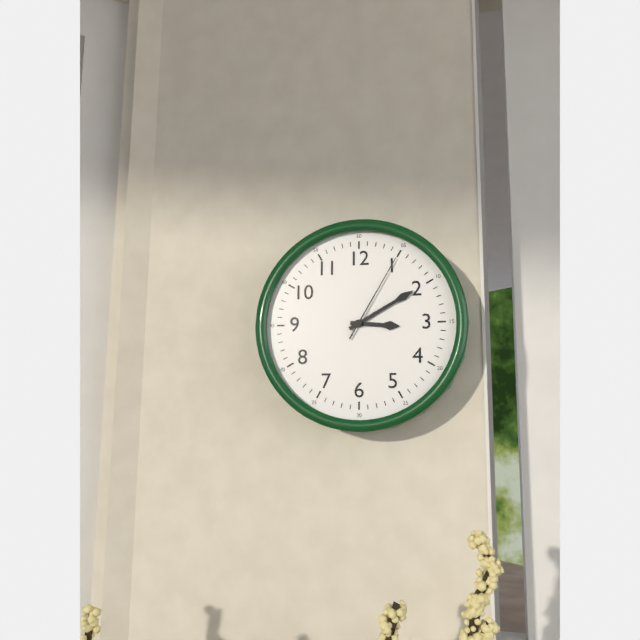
3:10:05
